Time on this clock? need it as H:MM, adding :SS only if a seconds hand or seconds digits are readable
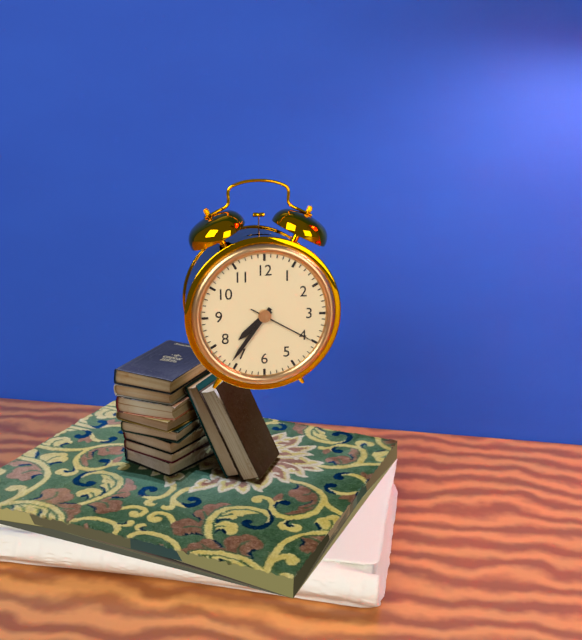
7:36:20
